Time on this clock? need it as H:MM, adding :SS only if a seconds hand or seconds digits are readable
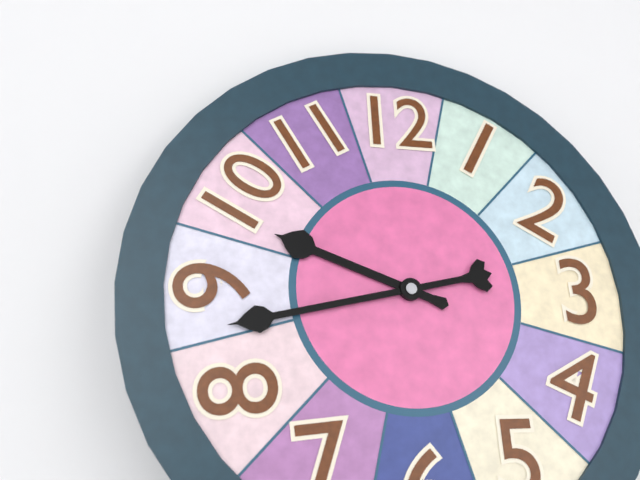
9:43
